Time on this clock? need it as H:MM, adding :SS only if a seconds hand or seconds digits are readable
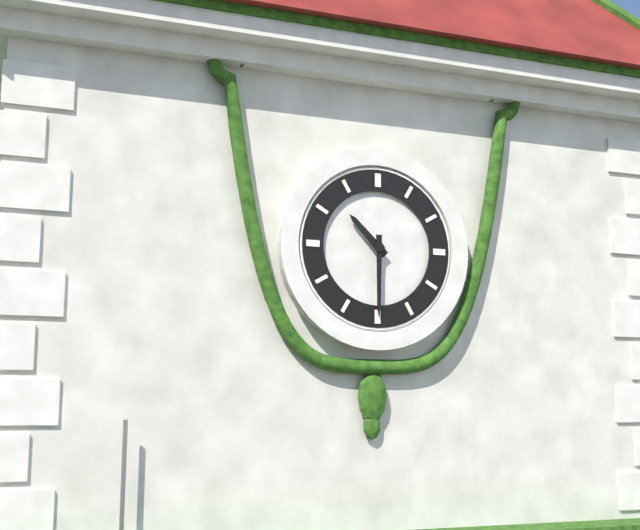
10:30
